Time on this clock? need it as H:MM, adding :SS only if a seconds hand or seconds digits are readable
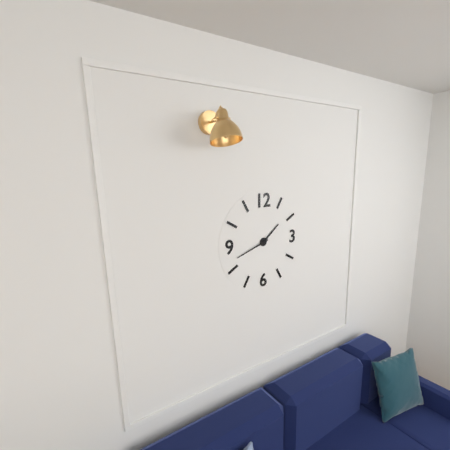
1:42
